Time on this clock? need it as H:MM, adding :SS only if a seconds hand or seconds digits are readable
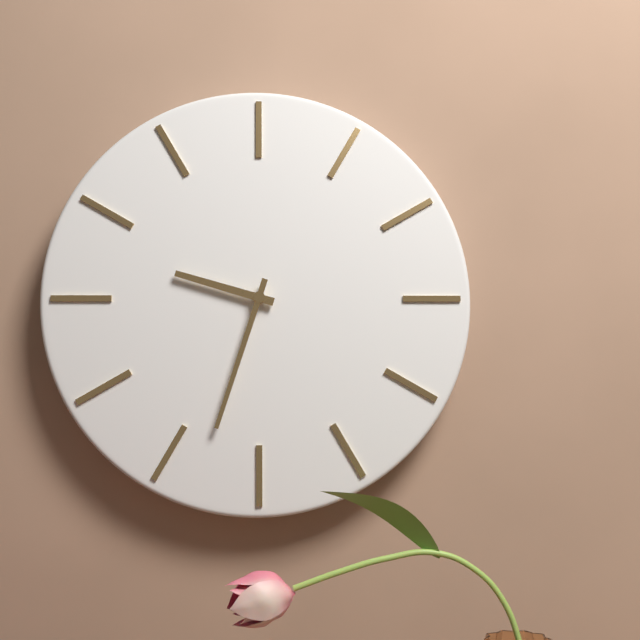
9:33
